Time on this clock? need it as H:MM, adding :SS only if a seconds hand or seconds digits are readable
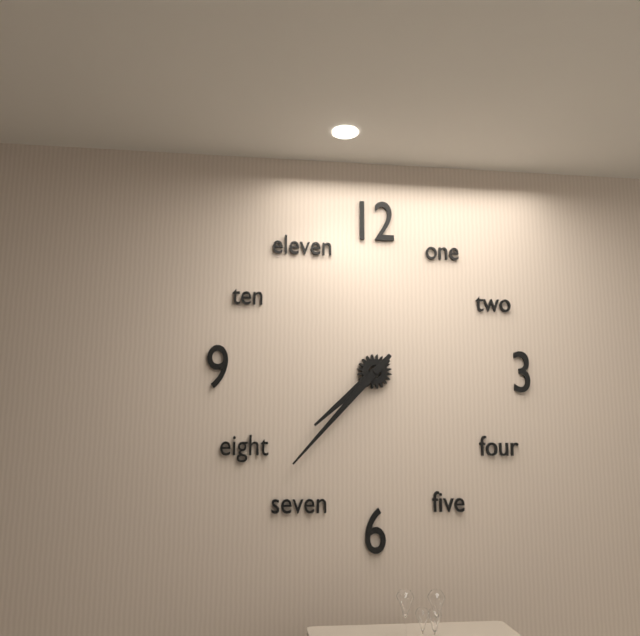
7:37
